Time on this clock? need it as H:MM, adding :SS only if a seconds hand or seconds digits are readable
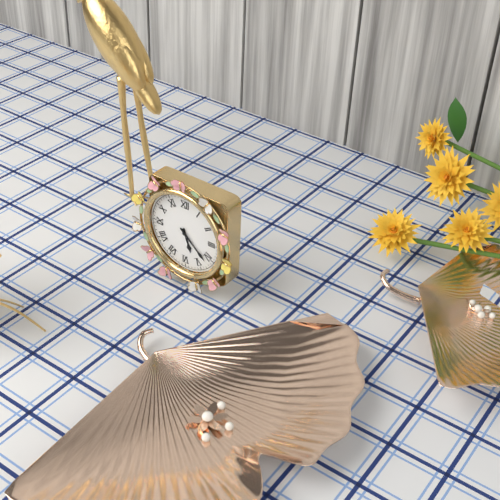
5:22
